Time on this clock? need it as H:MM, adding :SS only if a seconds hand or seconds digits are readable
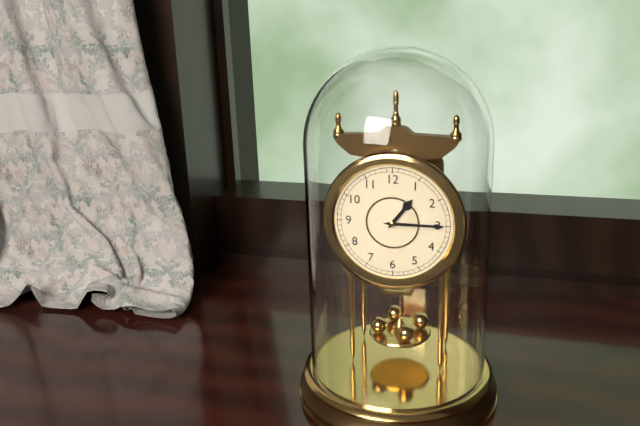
1:15
